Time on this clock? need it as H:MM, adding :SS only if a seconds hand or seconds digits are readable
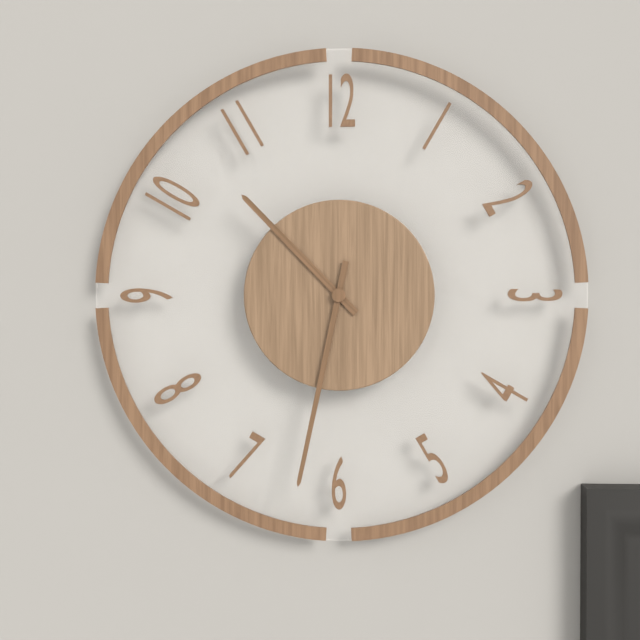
10:32
